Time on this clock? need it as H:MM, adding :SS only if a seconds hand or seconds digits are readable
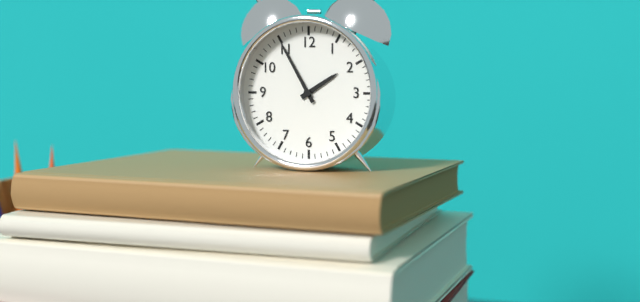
1:55
